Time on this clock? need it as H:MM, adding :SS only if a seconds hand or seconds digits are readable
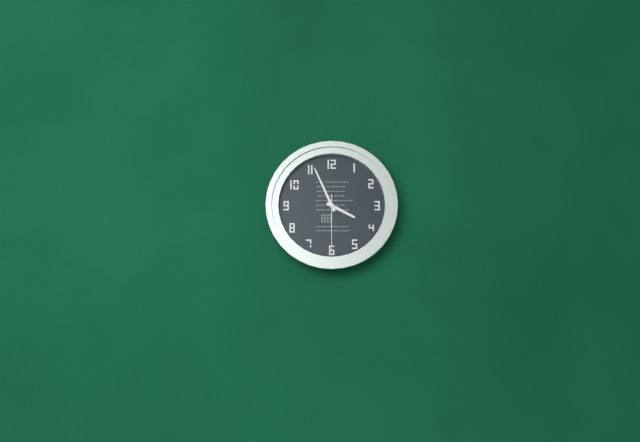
3:56:30
